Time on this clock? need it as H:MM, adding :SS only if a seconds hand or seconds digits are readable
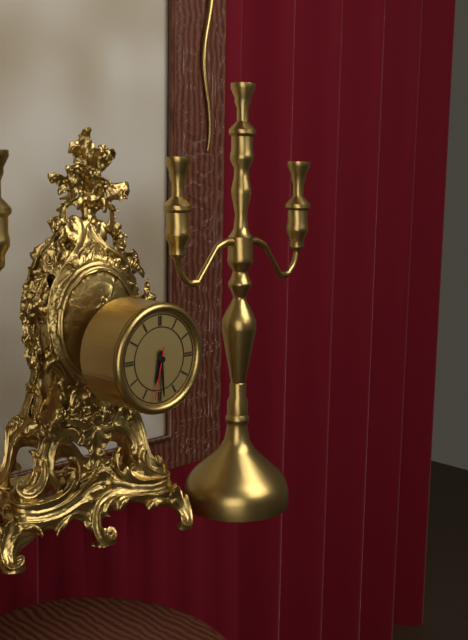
6:29:32
